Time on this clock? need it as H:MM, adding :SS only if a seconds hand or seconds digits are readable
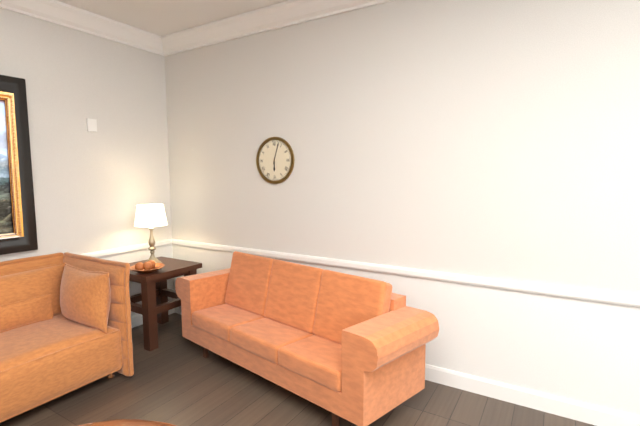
6:03
